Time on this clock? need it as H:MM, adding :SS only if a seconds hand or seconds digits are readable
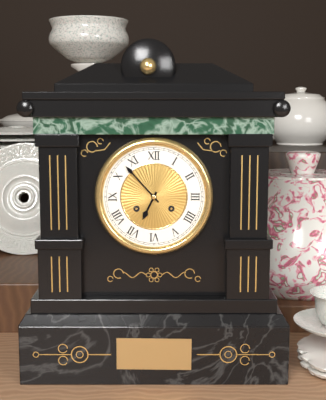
6:53
